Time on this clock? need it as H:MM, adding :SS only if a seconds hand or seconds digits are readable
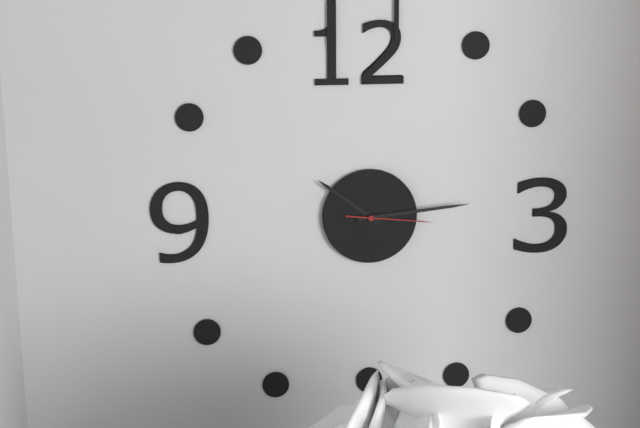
10:14:16
